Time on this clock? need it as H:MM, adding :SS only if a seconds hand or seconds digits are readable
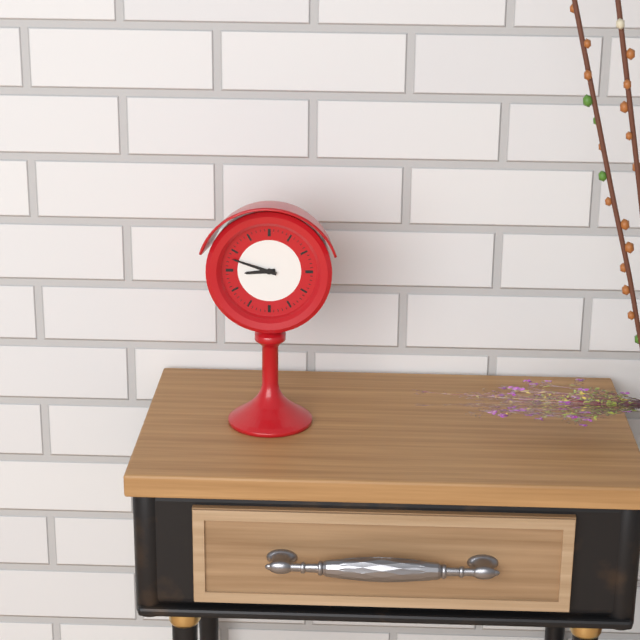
8:48
